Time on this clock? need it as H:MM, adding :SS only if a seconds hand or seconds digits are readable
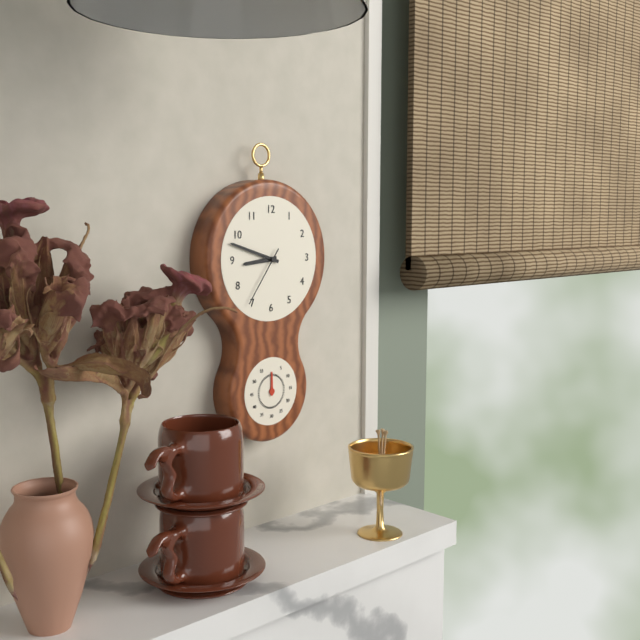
8:48:36
